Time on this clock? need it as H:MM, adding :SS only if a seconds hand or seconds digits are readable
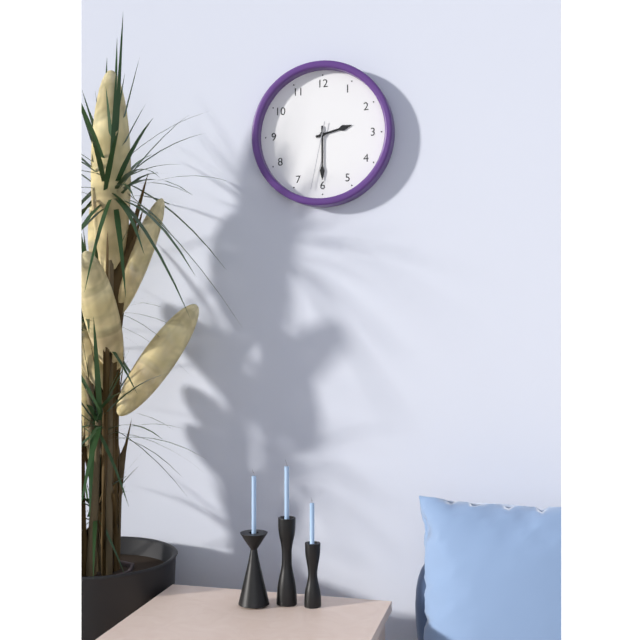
2:30:32
